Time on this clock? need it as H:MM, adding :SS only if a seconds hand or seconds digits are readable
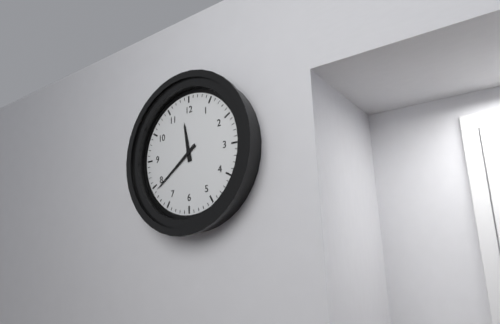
11:39
